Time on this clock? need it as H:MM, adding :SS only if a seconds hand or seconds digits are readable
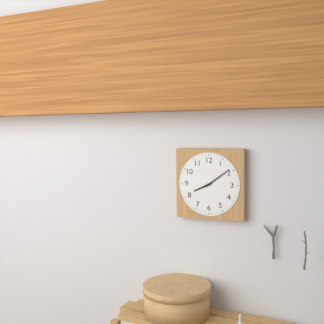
8:09
